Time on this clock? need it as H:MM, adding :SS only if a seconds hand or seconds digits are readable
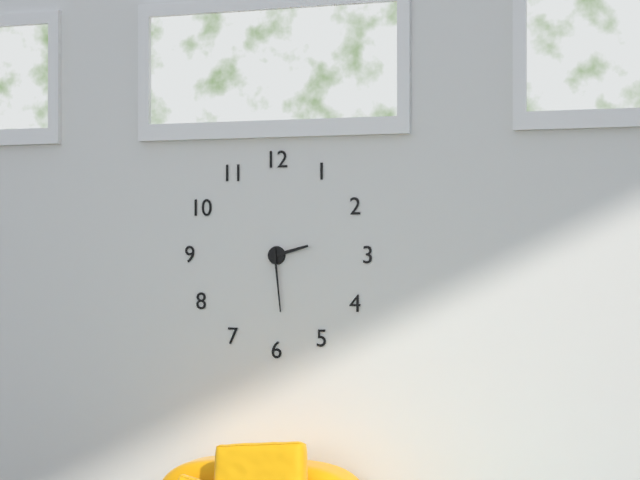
2:29
